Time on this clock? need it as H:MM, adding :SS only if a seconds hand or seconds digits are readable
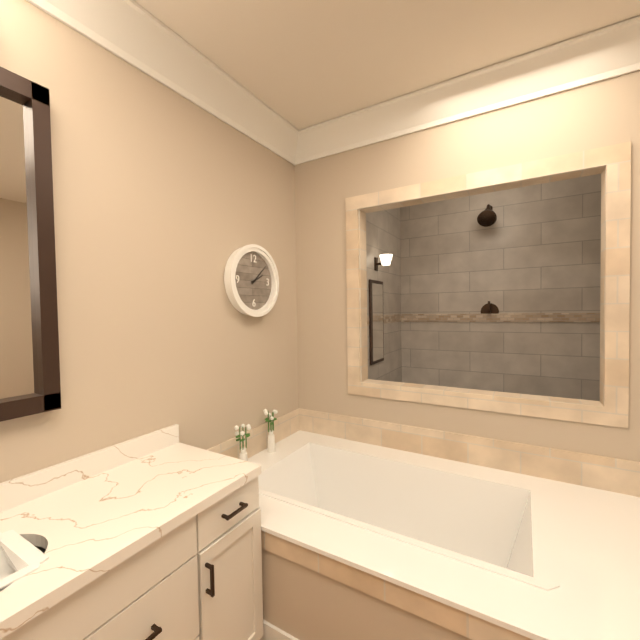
2:08
